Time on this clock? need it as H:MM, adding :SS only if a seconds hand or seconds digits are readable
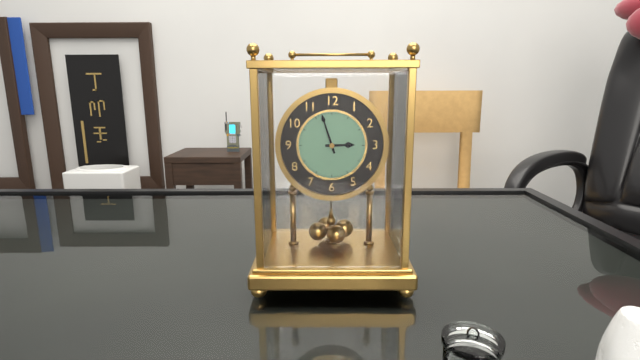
2:57
